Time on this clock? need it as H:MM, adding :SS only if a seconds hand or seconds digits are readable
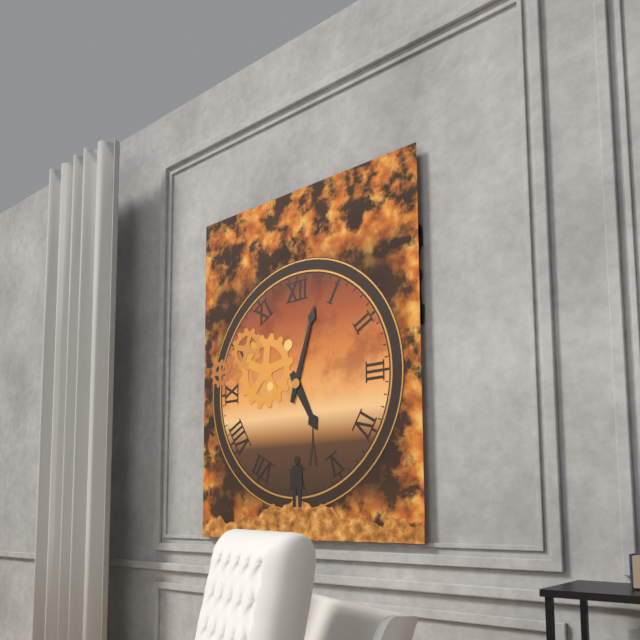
5:03
